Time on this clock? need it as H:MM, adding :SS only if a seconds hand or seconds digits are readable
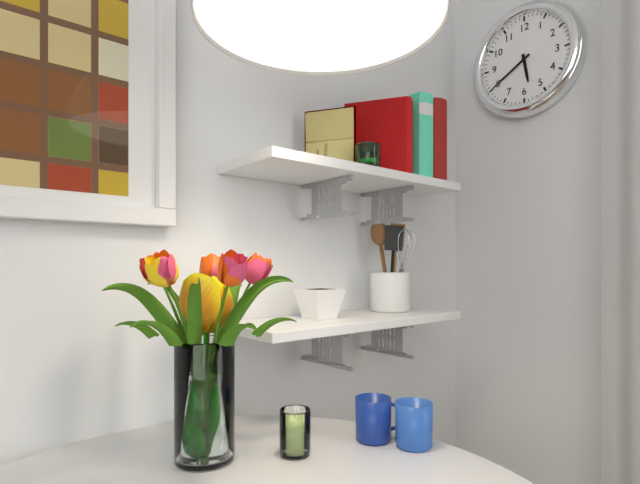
5:40
